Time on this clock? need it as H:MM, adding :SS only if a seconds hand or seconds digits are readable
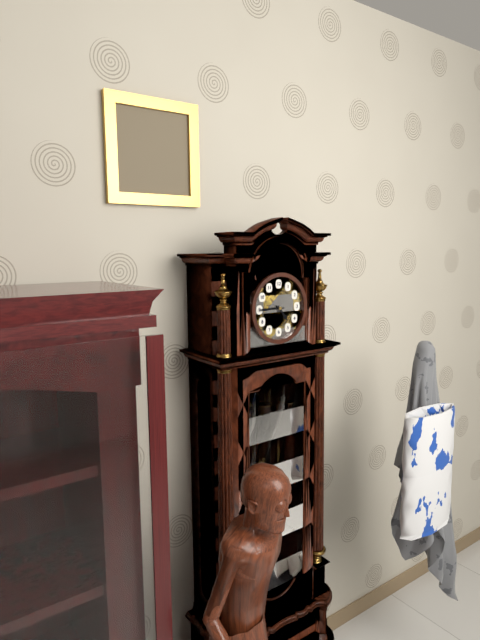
4:45
